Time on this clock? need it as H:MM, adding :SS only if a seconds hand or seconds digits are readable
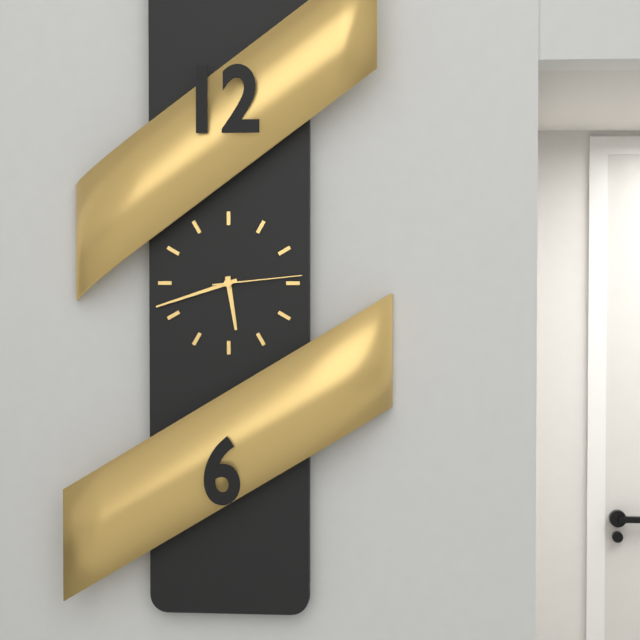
5:42:14
